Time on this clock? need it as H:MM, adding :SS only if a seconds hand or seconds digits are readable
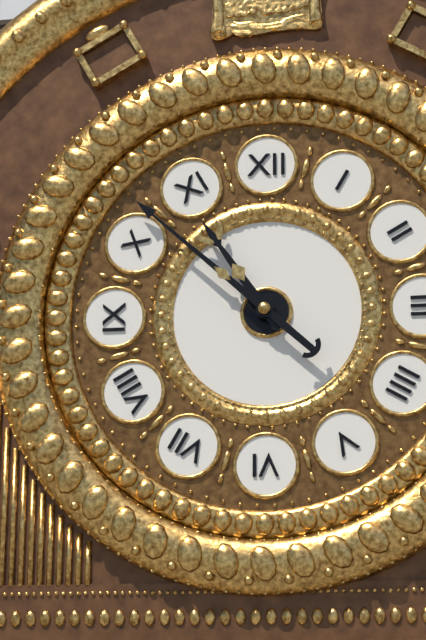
10:52
